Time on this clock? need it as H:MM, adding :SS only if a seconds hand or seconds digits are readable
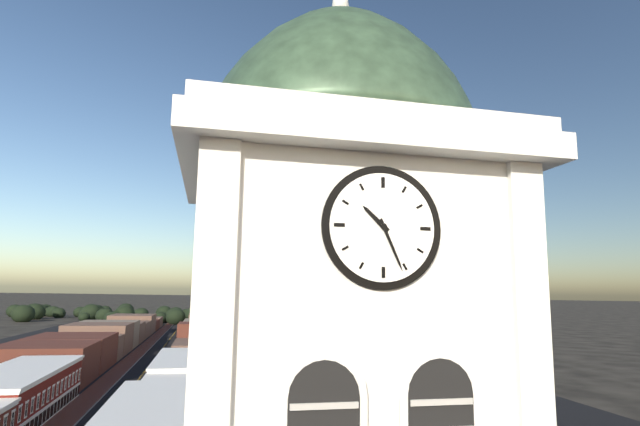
10:26
